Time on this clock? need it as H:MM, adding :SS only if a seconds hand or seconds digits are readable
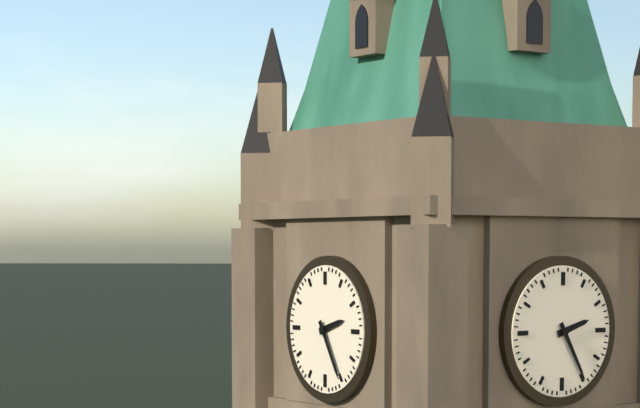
2:25
